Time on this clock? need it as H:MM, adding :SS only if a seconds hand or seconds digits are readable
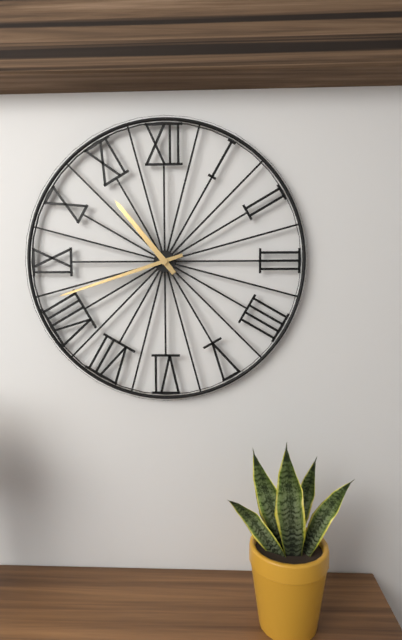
10:42
